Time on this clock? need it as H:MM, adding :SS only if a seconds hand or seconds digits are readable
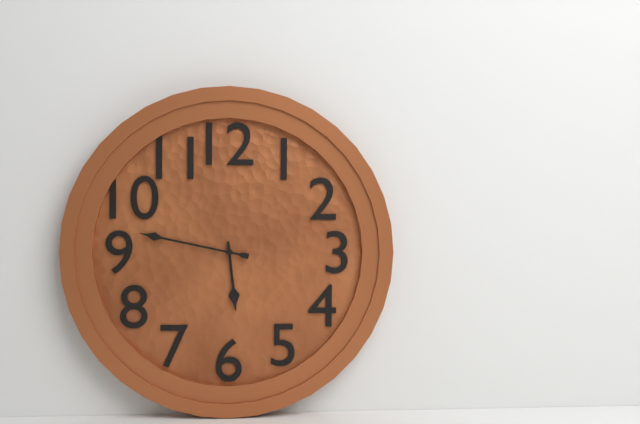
5:47
